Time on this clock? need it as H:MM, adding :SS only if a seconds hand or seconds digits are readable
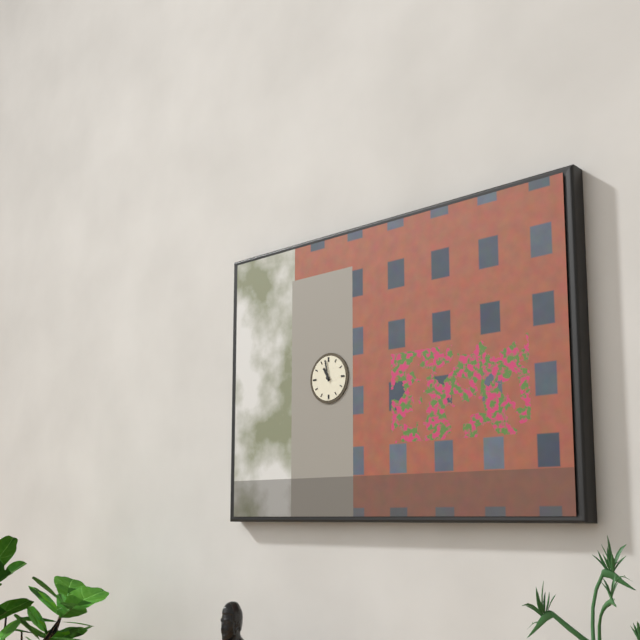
10:58
